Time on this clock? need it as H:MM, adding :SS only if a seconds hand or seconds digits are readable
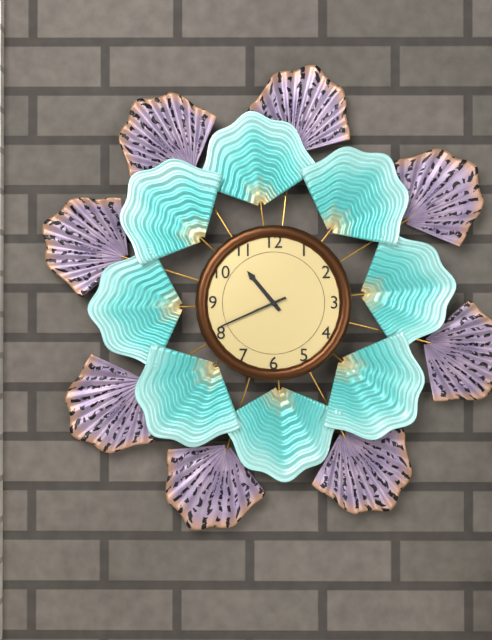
10:41
